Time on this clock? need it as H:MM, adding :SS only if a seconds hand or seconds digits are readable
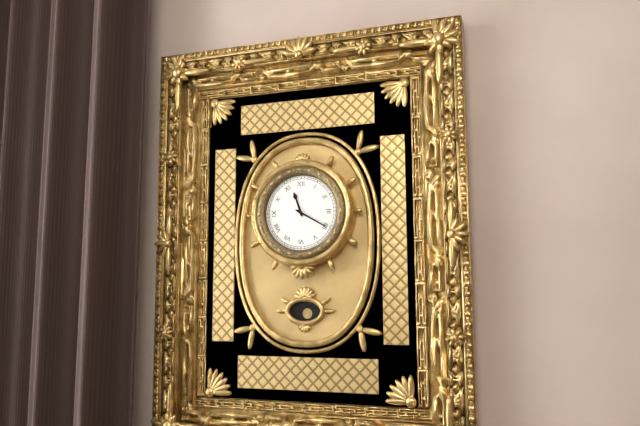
11:20
